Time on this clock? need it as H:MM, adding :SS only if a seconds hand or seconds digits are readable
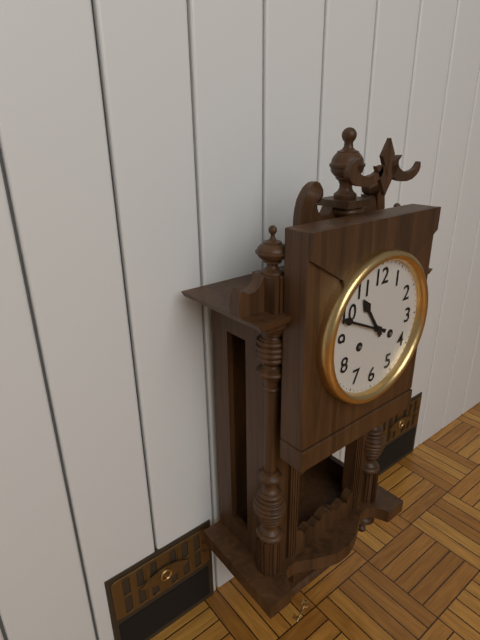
10:49
